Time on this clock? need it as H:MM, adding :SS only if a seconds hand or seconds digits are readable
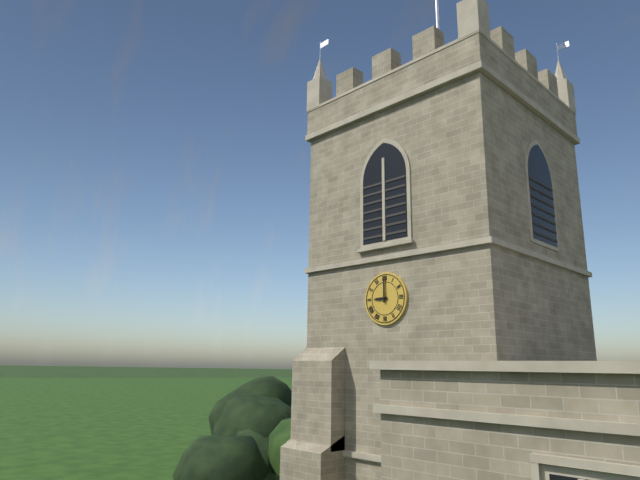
9:00
